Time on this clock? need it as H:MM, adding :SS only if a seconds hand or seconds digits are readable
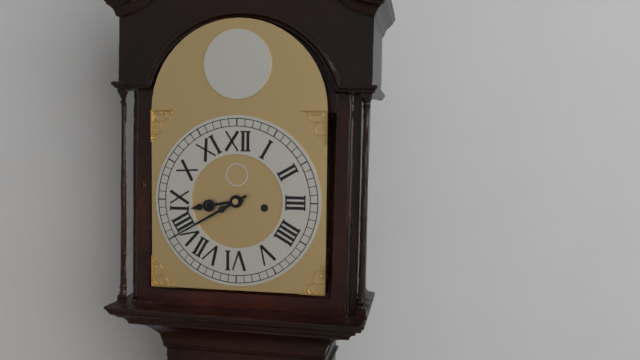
8:40
